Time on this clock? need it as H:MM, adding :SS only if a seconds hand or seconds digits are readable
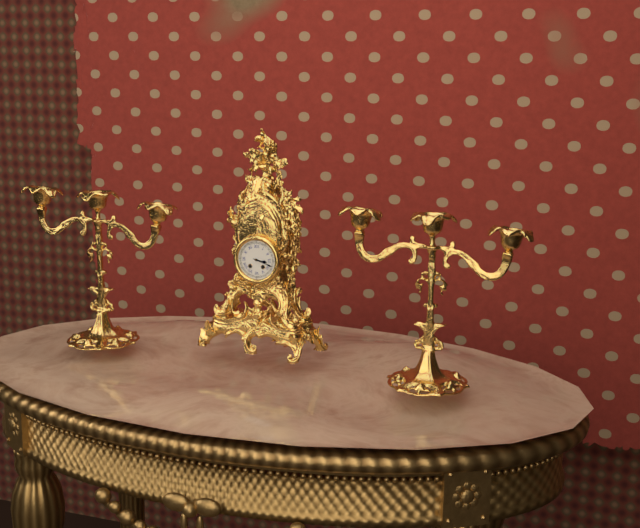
3:18
